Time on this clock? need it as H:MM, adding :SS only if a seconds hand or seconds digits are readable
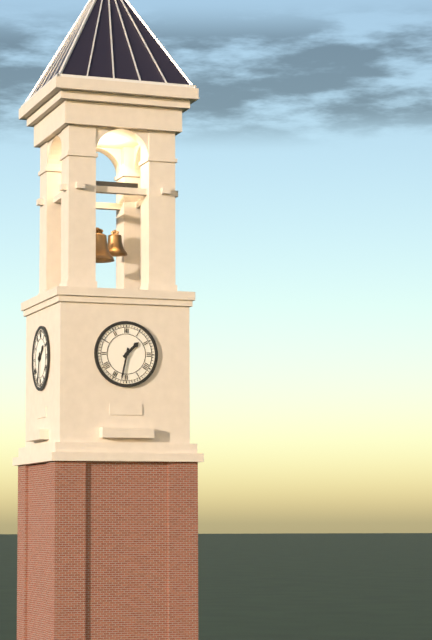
1:32
